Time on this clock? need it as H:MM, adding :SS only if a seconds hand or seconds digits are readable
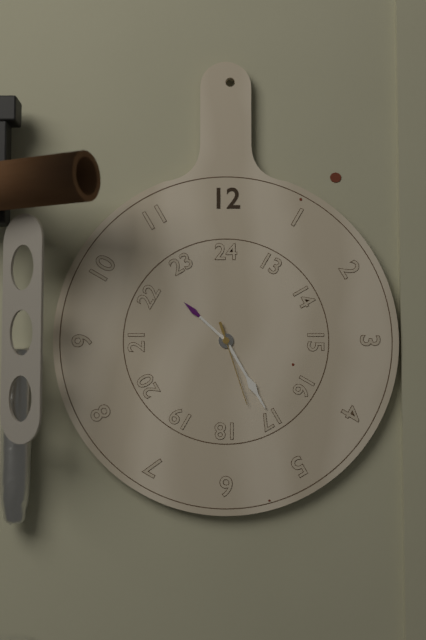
10:25:27
